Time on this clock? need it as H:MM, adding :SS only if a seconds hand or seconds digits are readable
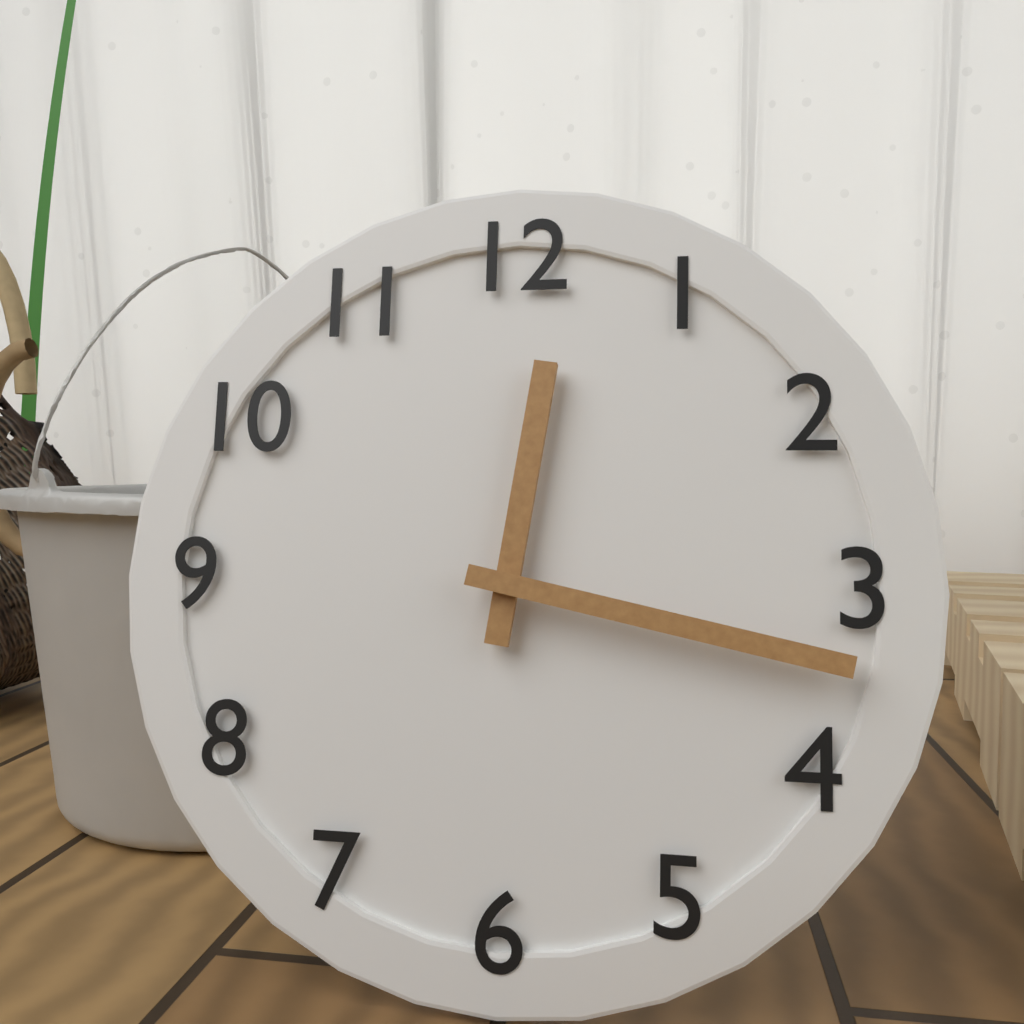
12:17
